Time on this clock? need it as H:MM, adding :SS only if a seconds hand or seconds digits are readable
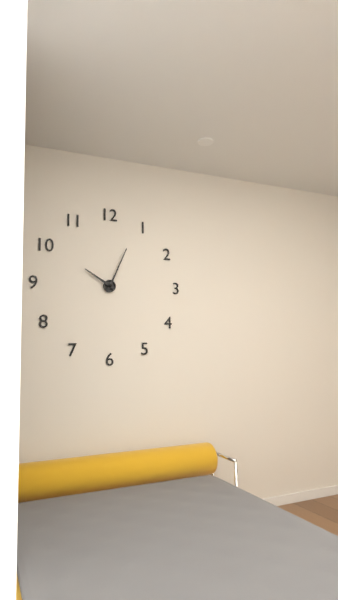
10:04
